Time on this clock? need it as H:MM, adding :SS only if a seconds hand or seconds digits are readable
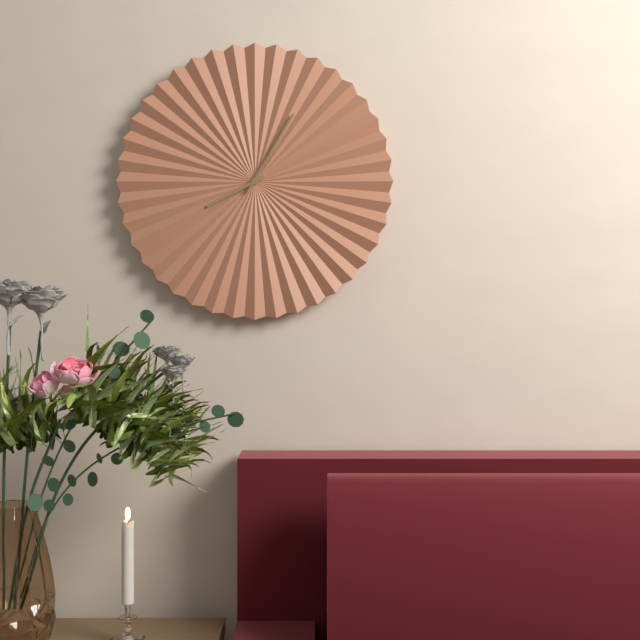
8:05
